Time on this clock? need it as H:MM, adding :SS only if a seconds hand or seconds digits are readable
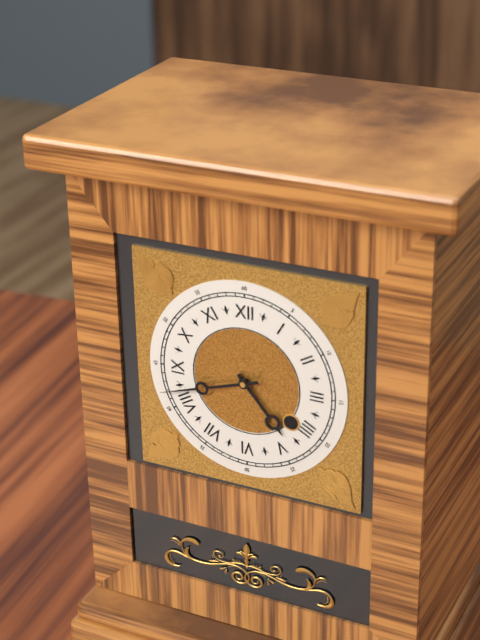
4:42
